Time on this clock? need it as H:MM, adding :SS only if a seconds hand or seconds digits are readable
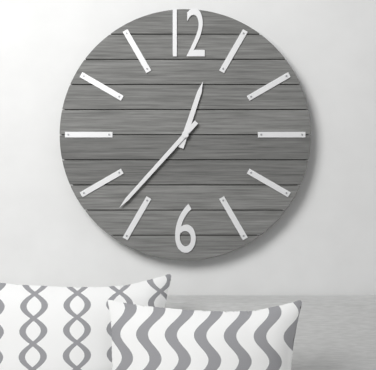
12:37
